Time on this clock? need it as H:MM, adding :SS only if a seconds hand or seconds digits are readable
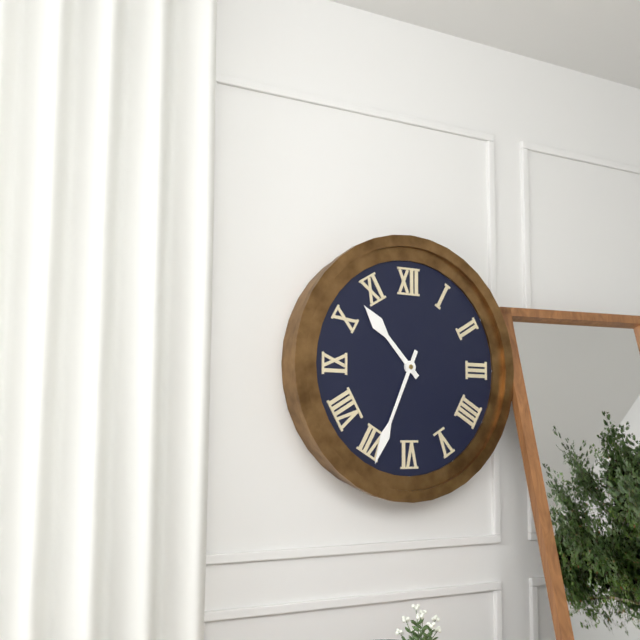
10:34
